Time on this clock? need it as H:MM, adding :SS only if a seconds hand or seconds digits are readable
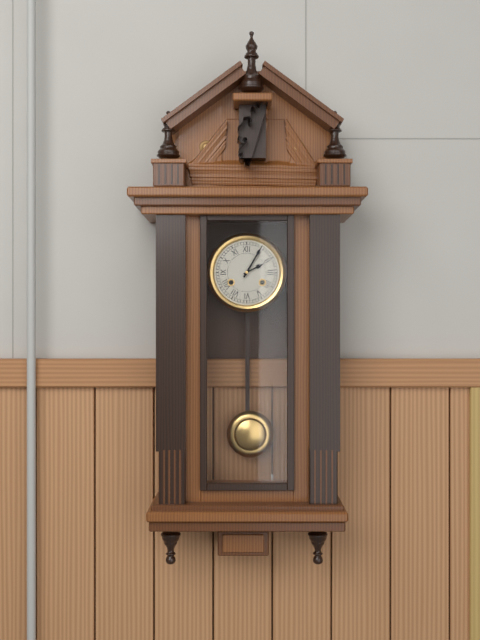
2:05
